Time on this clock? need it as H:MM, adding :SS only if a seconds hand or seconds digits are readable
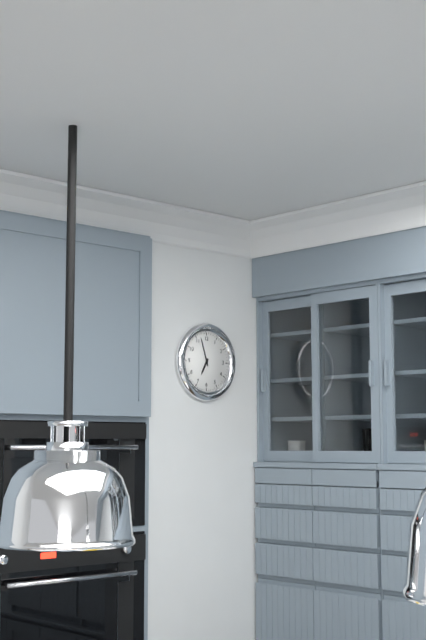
6:57
